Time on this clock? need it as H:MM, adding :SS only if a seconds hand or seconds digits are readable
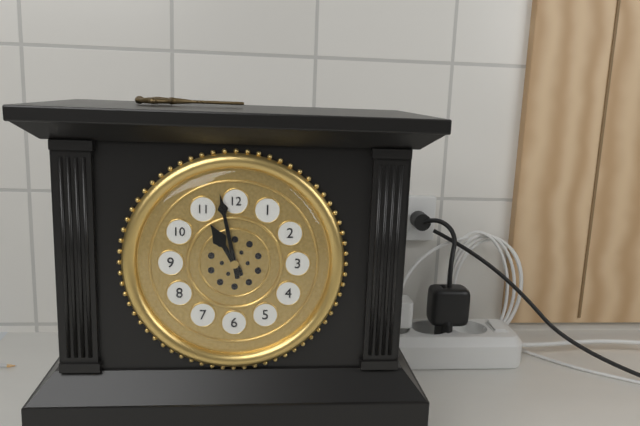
10:58
